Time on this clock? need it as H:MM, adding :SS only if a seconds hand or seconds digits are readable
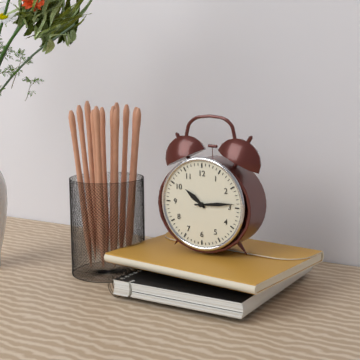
10:14
